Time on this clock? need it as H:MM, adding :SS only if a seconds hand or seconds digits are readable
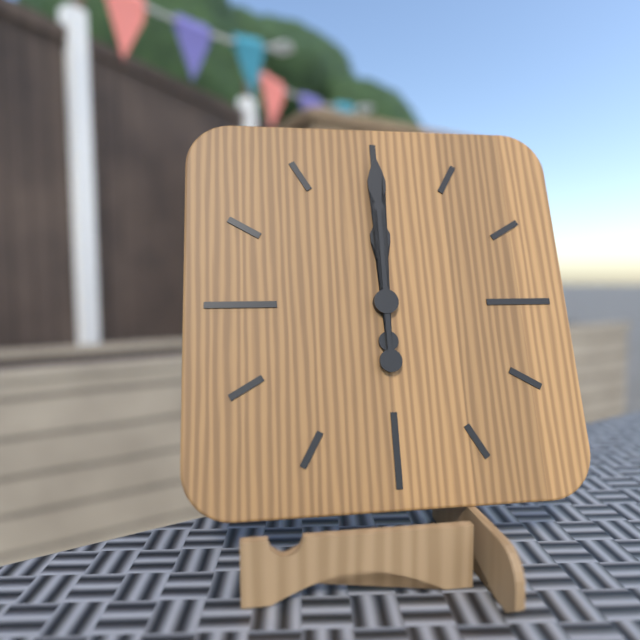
12:00
